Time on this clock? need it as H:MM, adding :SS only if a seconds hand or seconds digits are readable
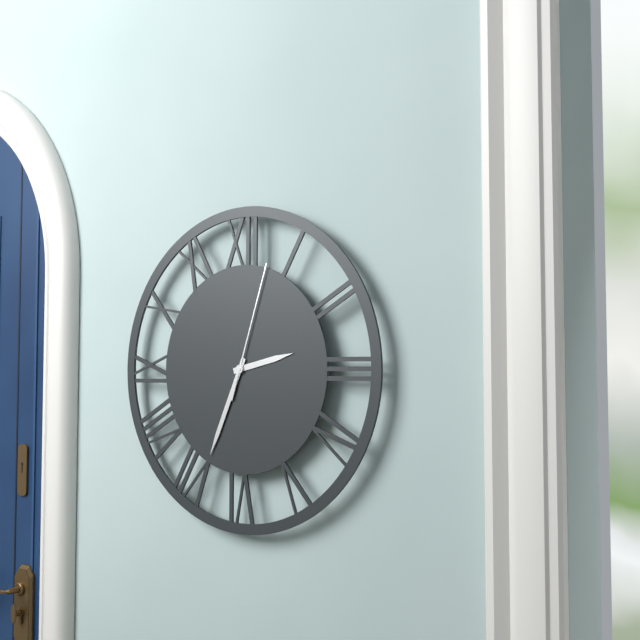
2:34:03
